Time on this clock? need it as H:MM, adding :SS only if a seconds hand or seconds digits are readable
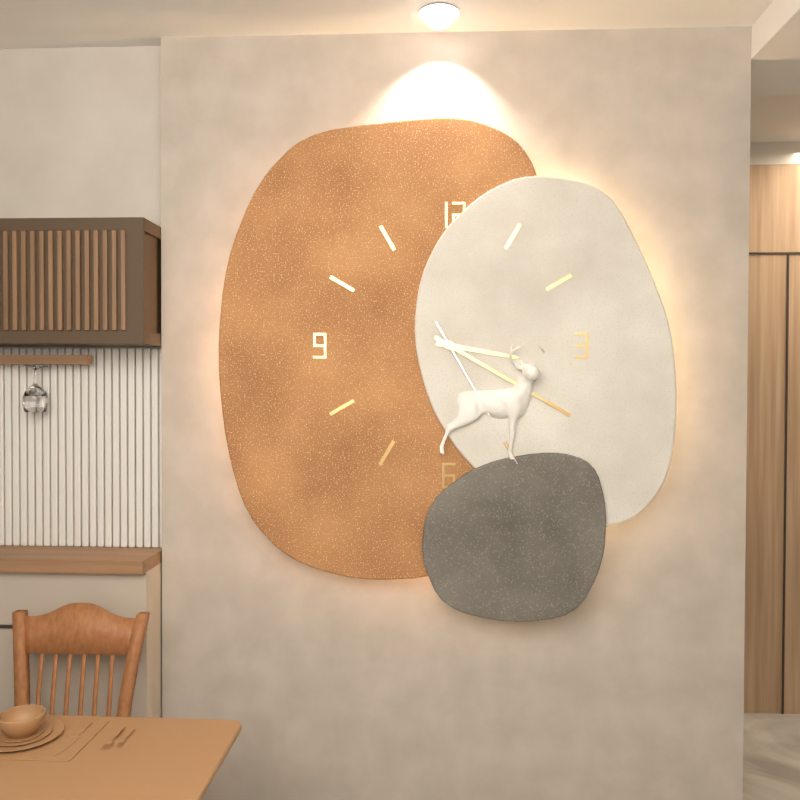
3:20:25
